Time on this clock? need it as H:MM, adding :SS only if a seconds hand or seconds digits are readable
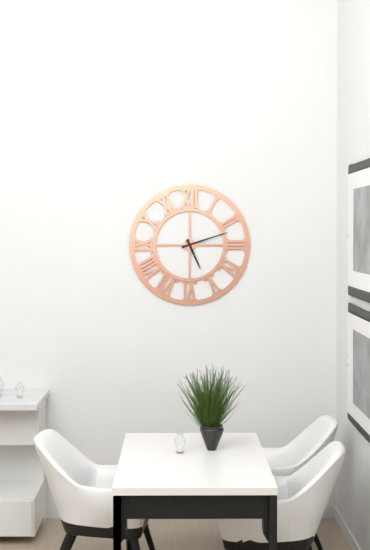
5:12
